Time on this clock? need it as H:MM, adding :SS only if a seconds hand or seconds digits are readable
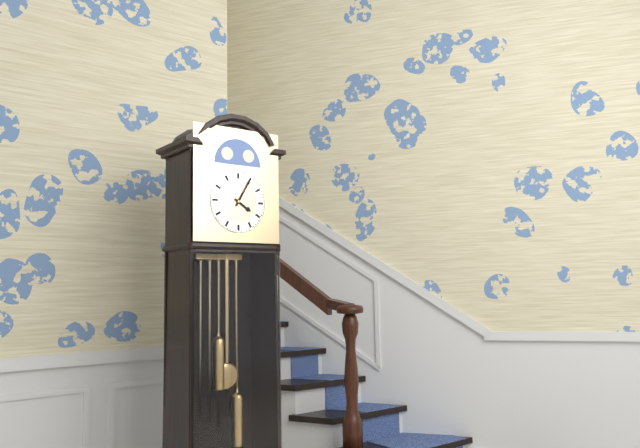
4:05
